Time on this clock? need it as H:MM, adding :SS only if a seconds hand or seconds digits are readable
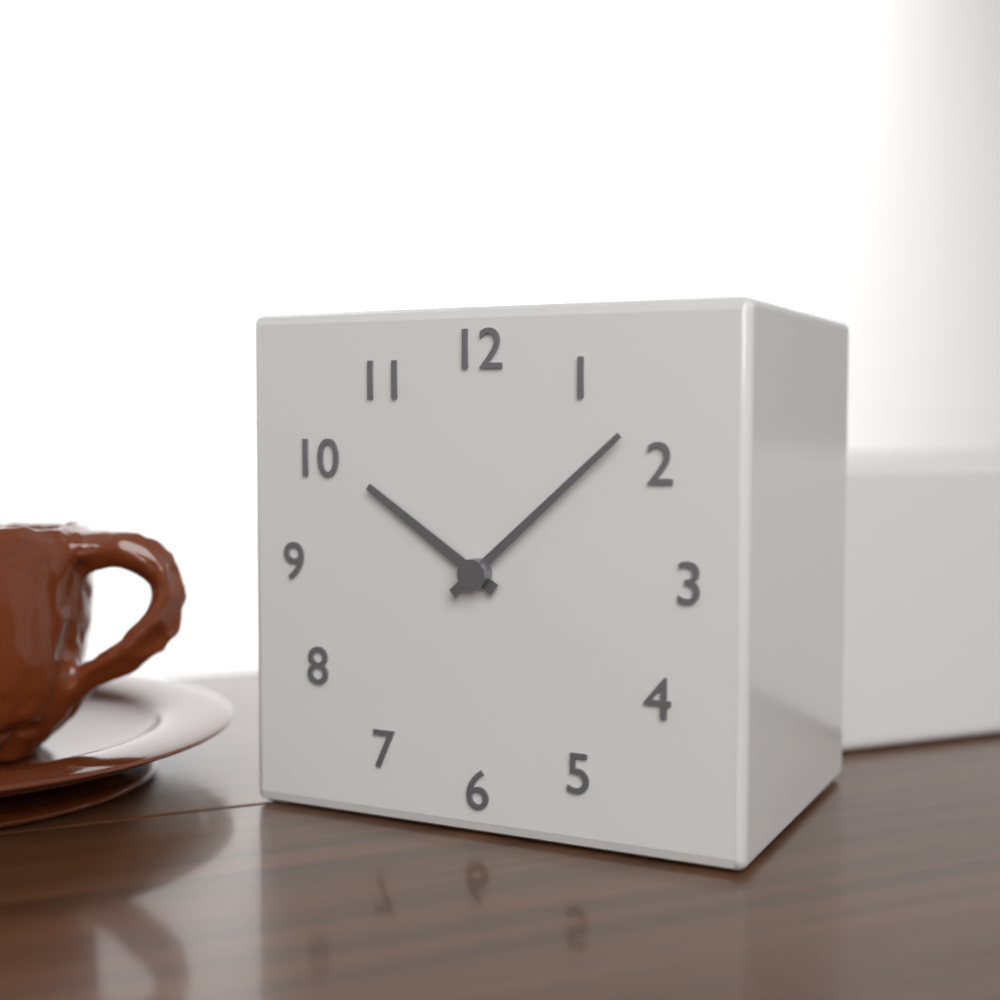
10:08
